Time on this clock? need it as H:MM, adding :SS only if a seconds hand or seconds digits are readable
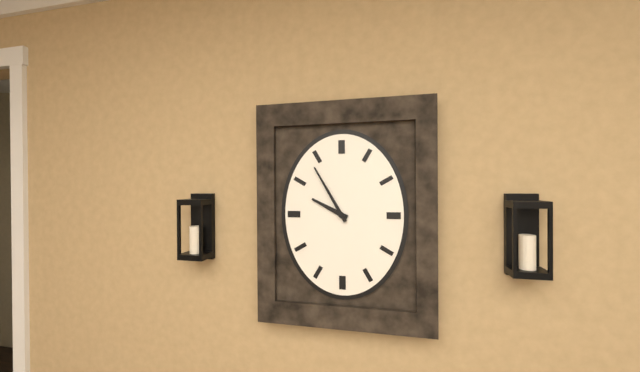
9:55
